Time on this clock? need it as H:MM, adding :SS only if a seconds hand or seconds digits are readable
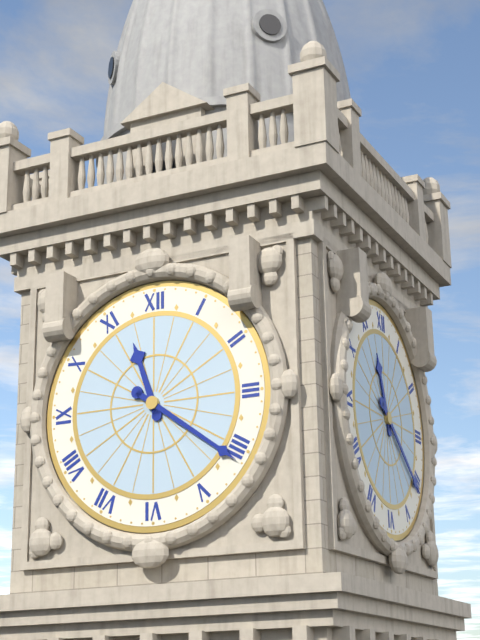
11:21
